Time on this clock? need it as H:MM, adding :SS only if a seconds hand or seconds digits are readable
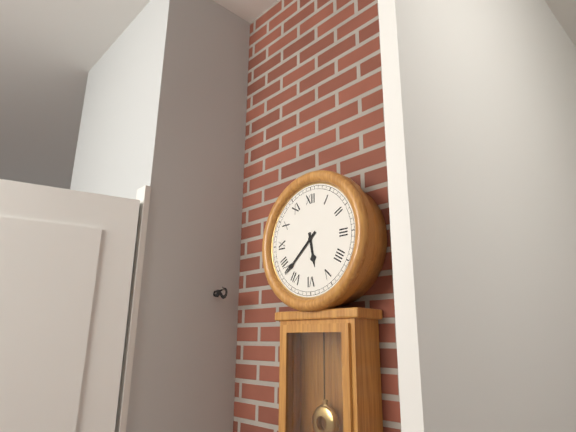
5:38
